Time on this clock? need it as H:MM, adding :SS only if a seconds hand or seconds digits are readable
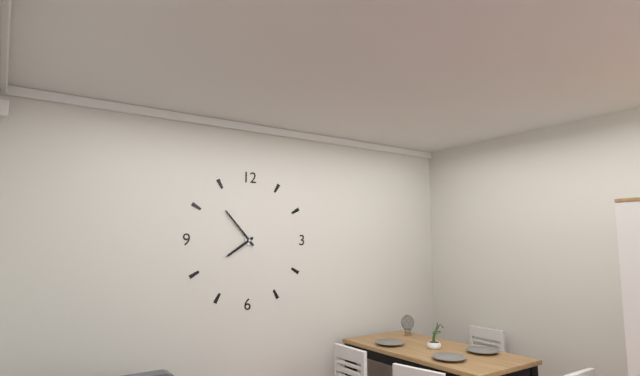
7:53
